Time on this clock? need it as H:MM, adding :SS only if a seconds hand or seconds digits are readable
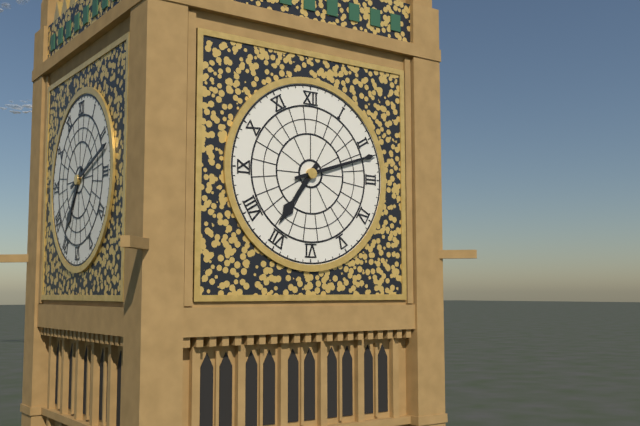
7:12
